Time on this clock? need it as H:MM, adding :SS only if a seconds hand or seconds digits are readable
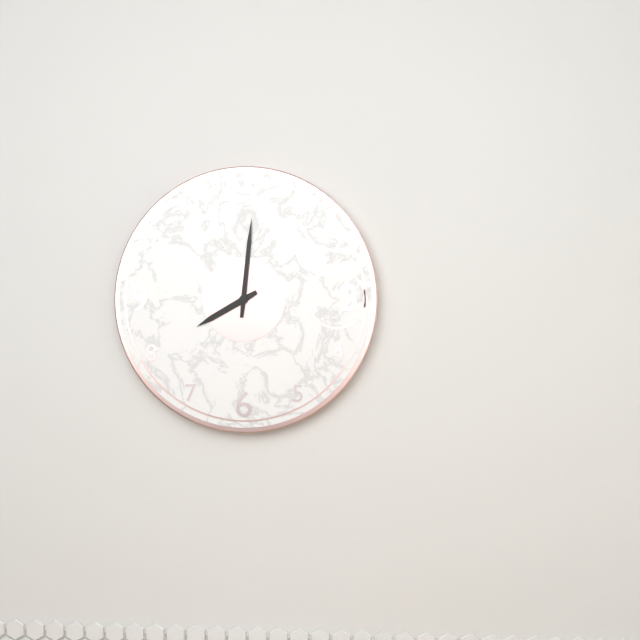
8:01
